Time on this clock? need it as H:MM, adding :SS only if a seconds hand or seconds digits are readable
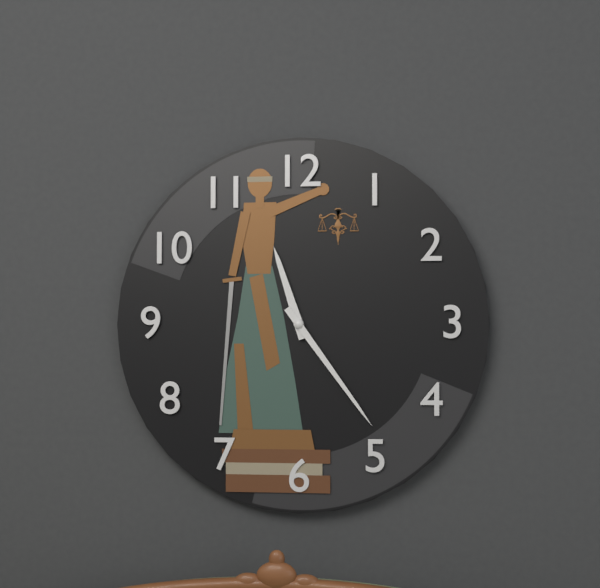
11:24
